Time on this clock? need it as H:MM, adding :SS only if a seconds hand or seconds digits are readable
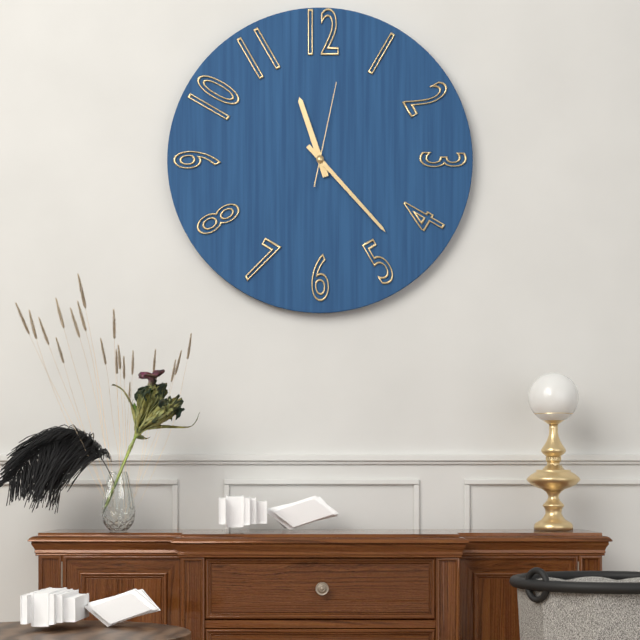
11:23:02
